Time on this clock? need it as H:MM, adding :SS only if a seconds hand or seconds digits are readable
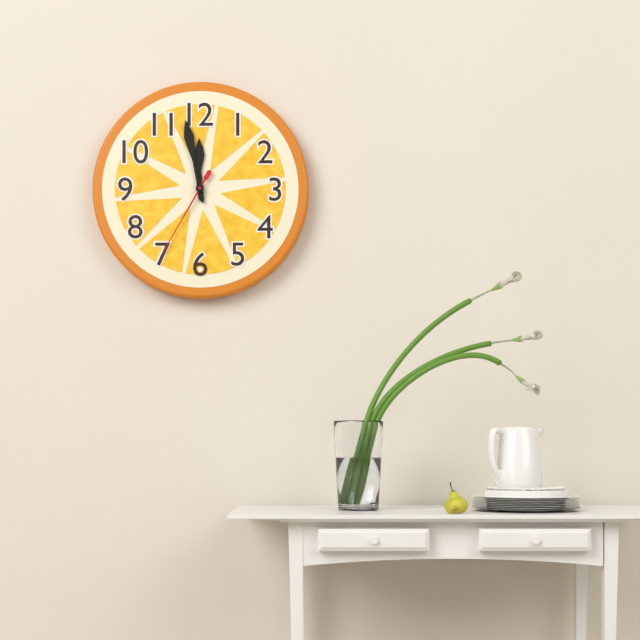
11:58:35
